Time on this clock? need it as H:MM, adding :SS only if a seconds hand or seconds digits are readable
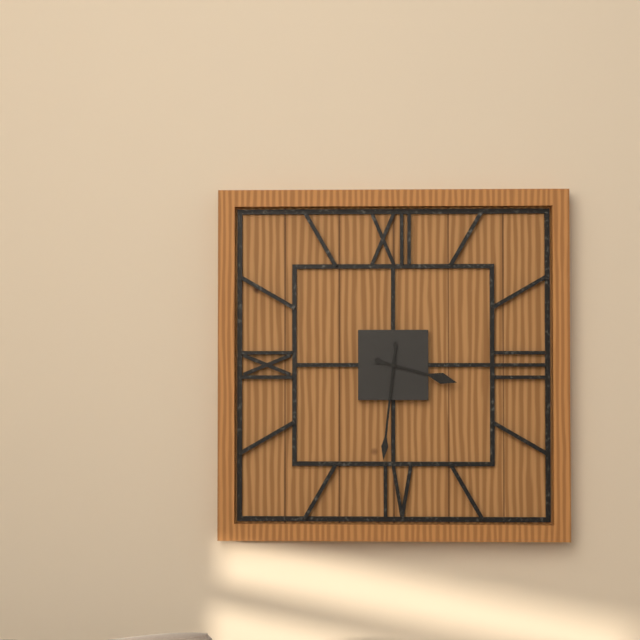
3:31
